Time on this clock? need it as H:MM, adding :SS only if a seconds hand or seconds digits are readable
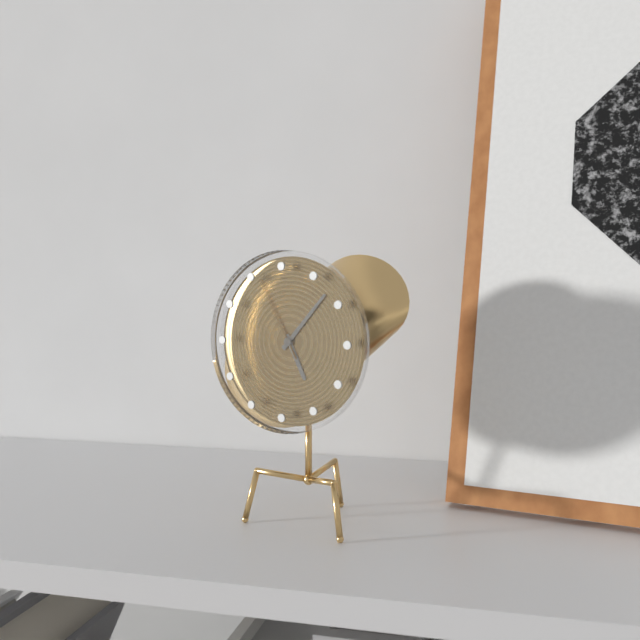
5:07:55
